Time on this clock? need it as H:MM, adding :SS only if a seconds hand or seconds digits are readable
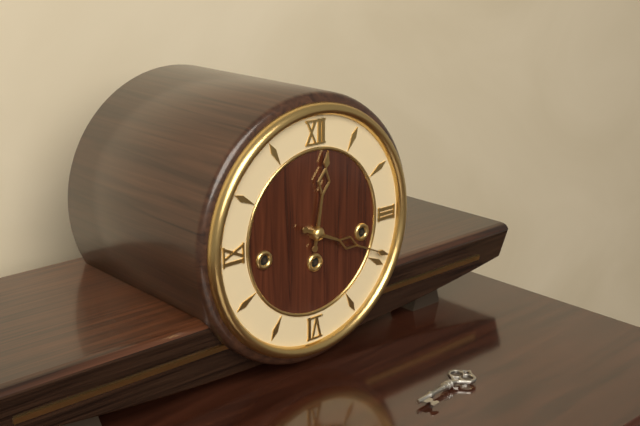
12:19
